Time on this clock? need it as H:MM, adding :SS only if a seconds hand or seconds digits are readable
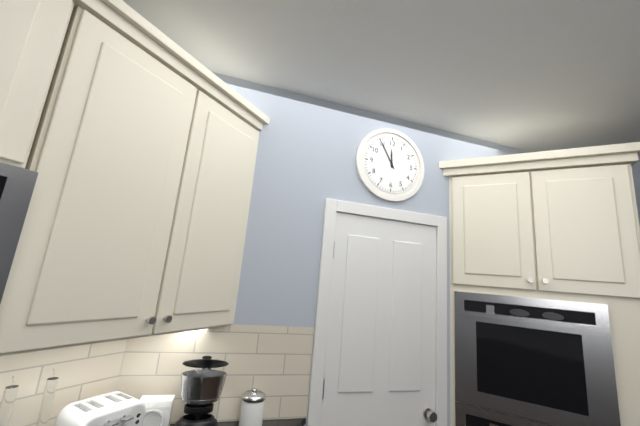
11:55
